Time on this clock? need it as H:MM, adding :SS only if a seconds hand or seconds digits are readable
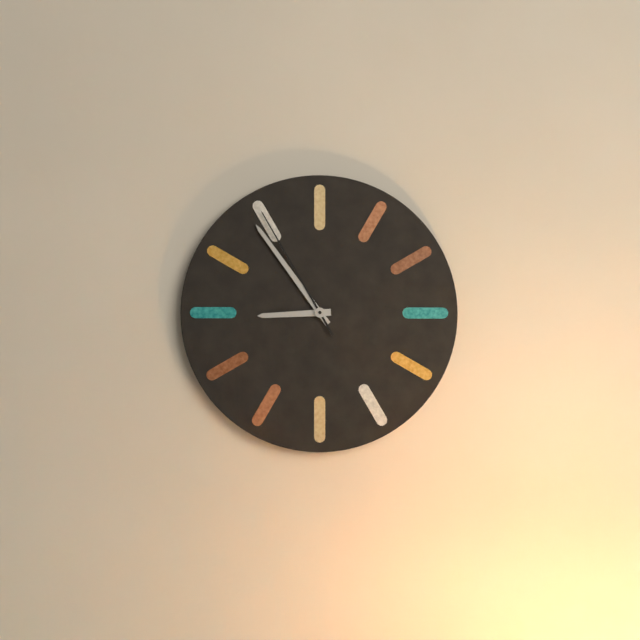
8:54:55
